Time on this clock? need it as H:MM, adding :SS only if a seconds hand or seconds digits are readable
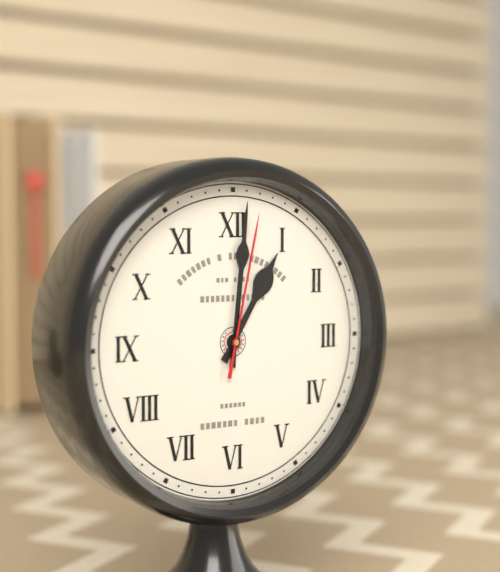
1:01:02
